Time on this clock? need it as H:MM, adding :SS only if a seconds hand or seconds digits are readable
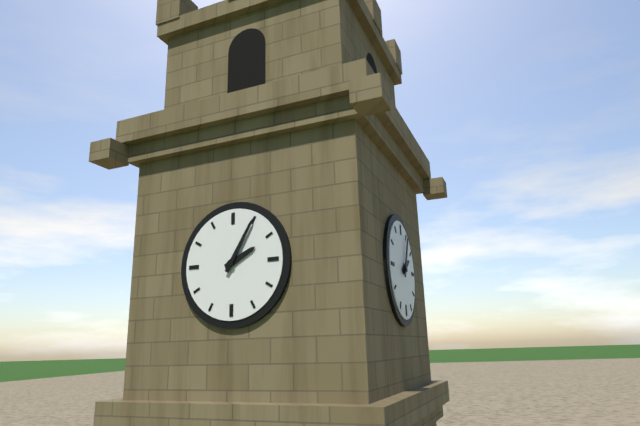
2:05
